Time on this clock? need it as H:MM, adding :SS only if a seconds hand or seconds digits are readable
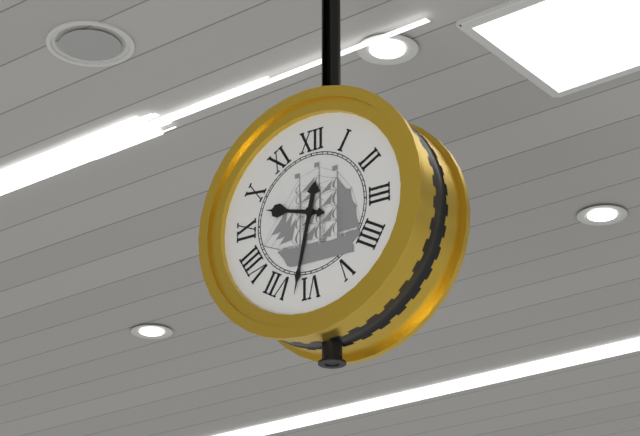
9:32
